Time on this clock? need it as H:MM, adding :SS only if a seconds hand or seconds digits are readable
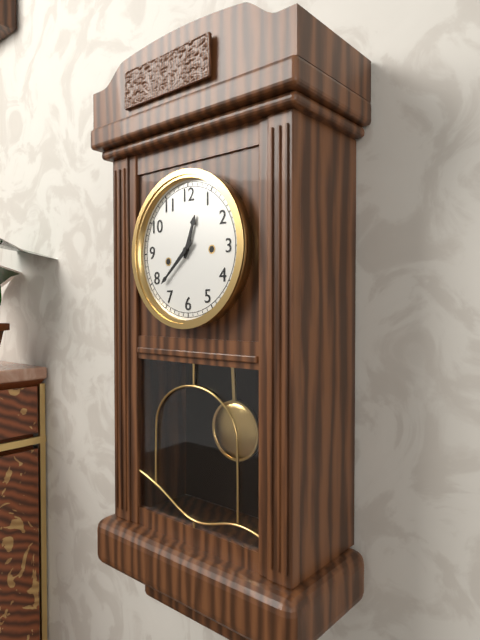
12:38
